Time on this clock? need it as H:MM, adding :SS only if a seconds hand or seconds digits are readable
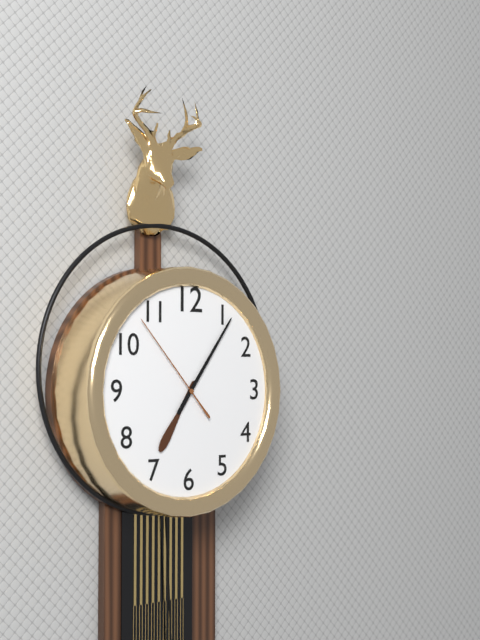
7:06:53
